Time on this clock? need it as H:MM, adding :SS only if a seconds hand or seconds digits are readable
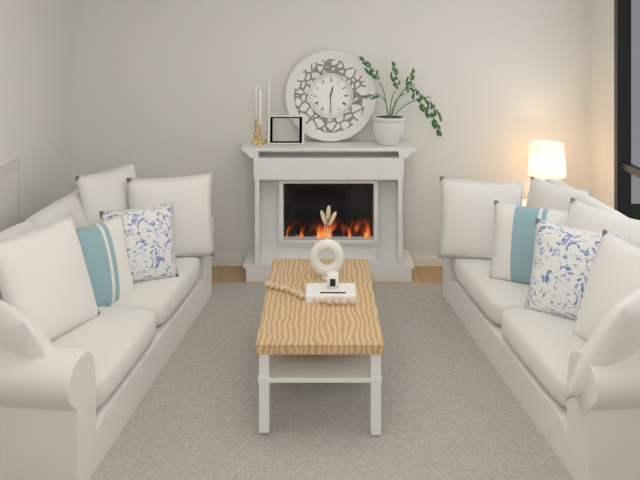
12:30
